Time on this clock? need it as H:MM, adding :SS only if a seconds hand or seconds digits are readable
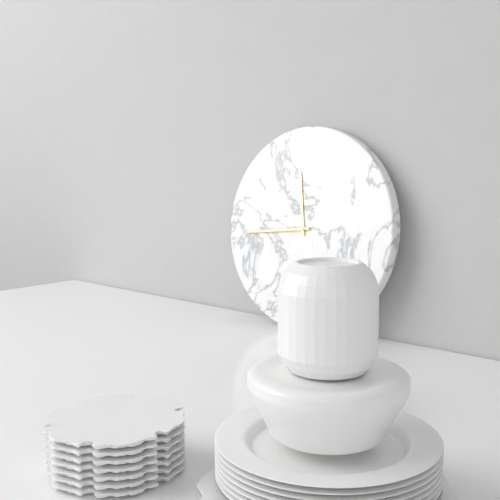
11:44
